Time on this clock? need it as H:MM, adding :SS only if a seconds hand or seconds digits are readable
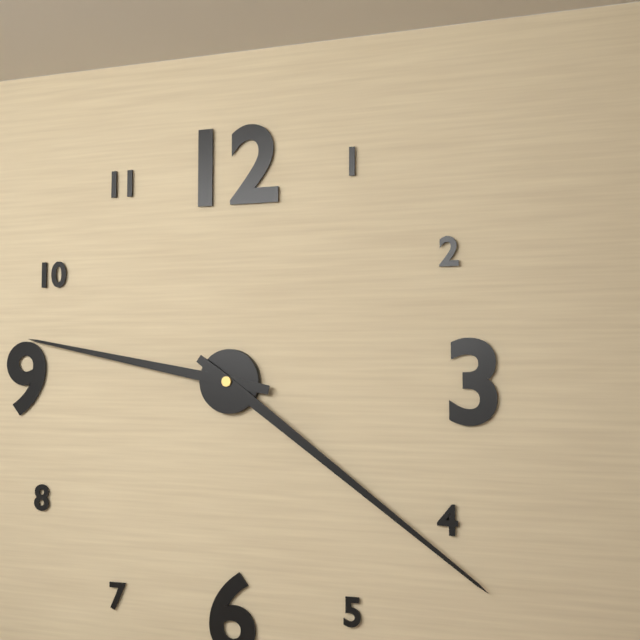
9:21
